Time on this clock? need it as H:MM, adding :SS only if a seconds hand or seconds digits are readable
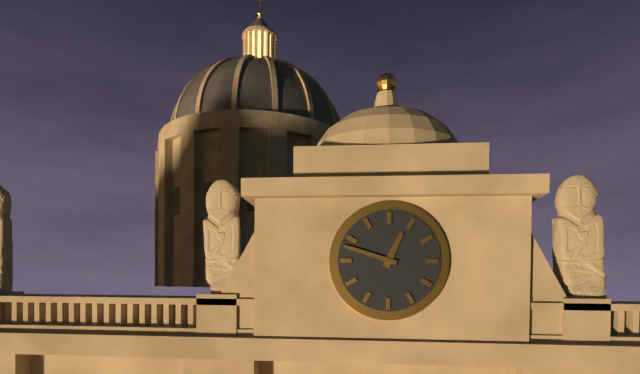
12:48
